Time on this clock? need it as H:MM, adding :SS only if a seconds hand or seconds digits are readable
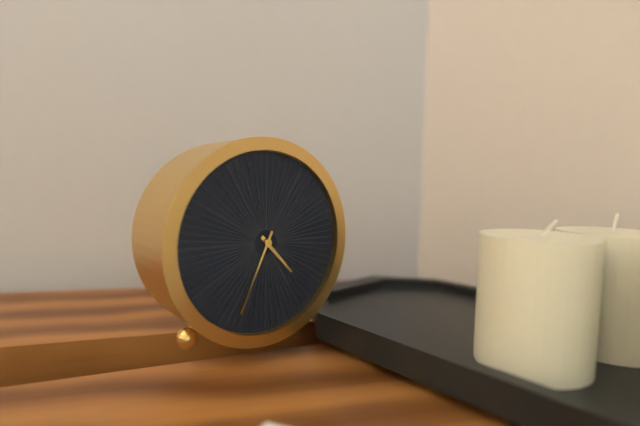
4:34
